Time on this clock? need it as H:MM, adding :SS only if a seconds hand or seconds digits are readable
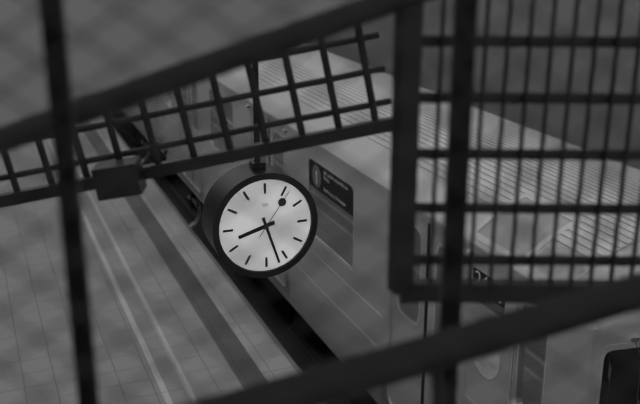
8:27:06
